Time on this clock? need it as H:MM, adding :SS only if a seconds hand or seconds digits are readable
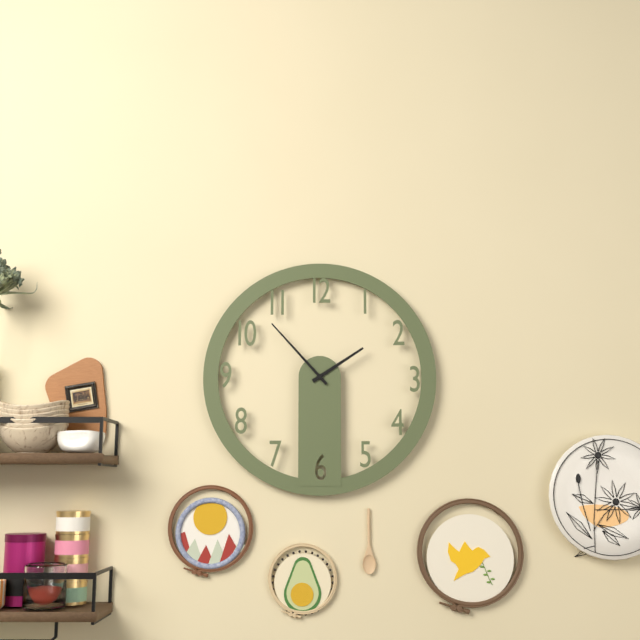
1:53
